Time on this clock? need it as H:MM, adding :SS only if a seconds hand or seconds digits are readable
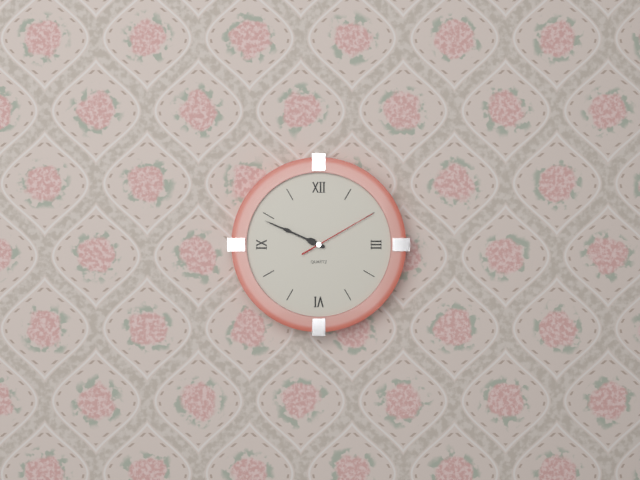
9:49:10
